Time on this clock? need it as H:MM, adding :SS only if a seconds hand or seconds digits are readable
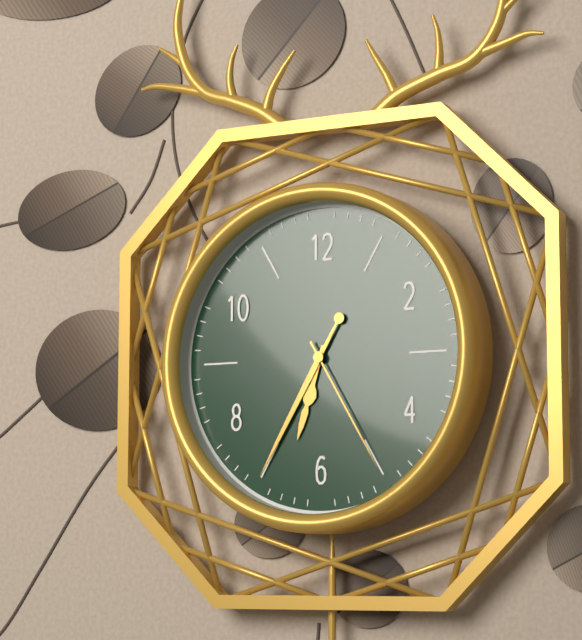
6:35:25
